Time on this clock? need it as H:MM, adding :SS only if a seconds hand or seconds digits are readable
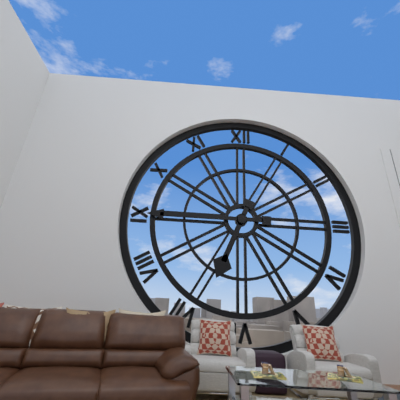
6:45
